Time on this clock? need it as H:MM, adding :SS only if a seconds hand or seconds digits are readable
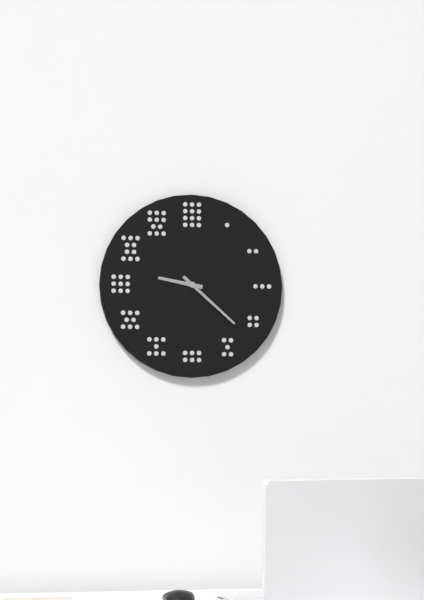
9:22
